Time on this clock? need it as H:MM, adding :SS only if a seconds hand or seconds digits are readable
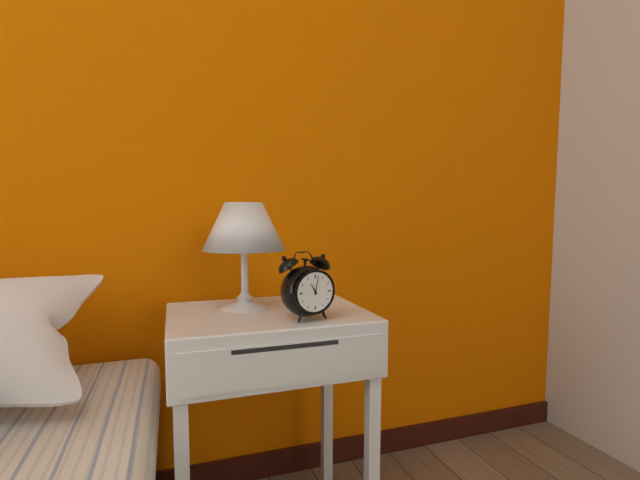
11:02
